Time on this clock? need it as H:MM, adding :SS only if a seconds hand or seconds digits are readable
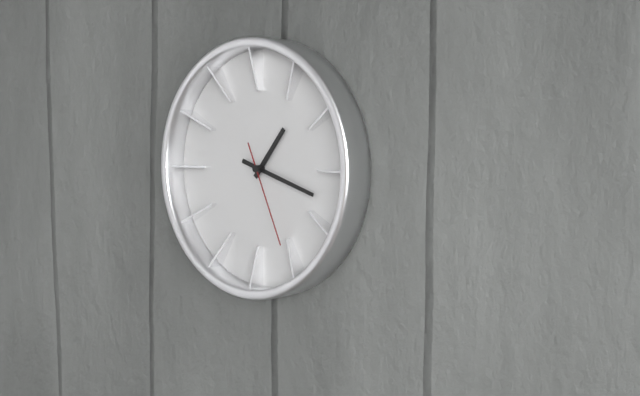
1:18:26
